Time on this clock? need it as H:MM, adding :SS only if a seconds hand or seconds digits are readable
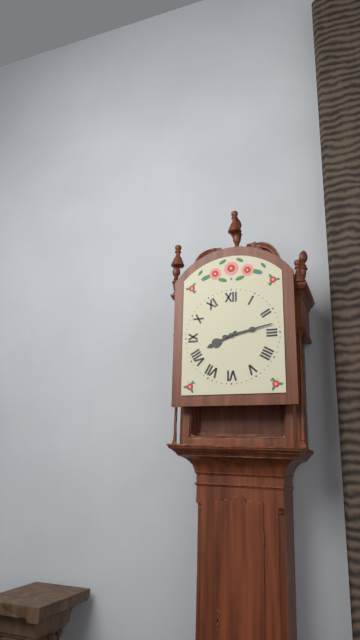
8:13
